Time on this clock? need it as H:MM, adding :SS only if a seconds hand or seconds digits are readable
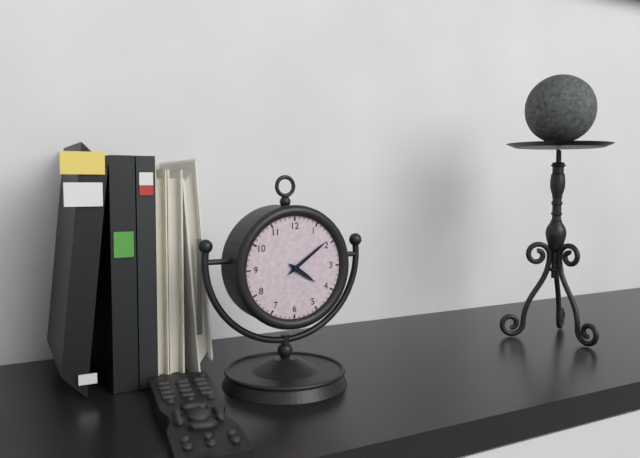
4:09
